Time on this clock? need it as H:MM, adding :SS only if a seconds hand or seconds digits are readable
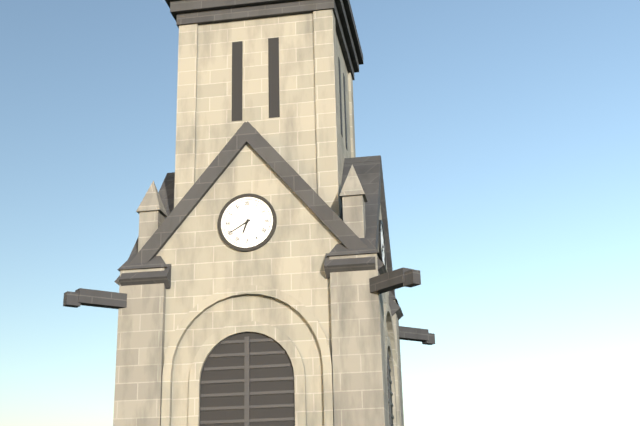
6:40
